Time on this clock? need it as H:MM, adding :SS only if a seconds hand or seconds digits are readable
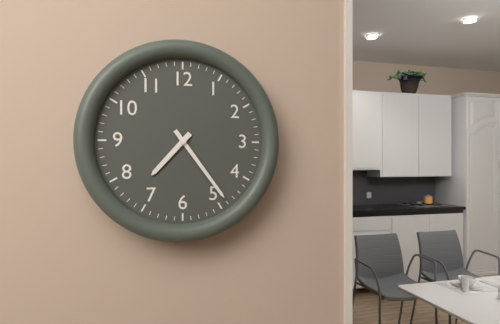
7:24
